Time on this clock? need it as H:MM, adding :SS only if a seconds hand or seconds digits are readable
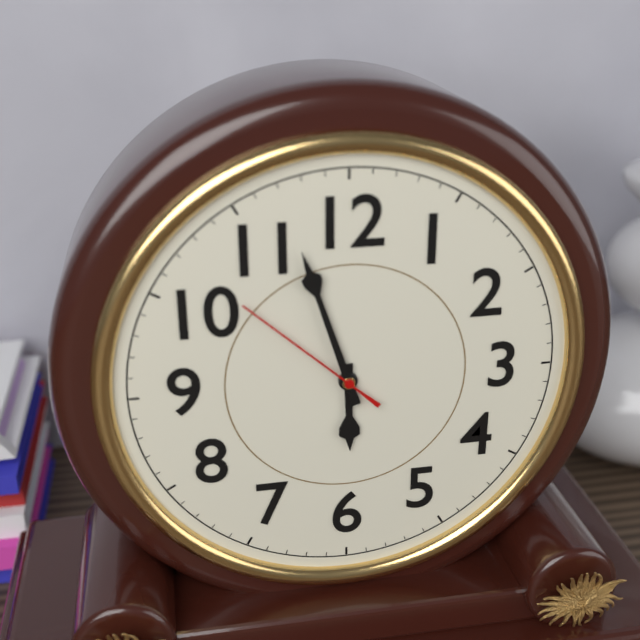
5:57:52
